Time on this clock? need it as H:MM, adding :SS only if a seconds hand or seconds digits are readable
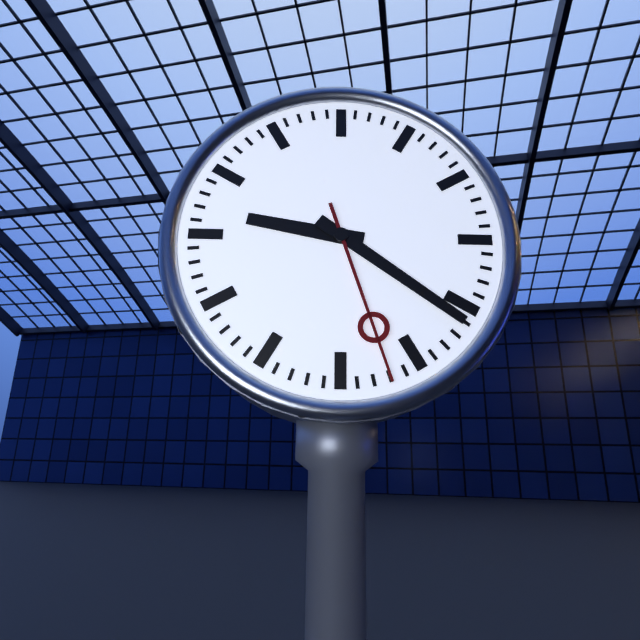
9:21:27
